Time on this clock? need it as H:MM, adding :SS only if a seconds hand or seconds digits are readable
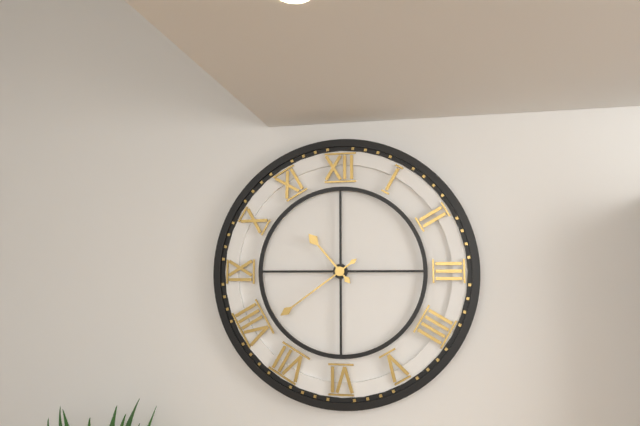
10:39
